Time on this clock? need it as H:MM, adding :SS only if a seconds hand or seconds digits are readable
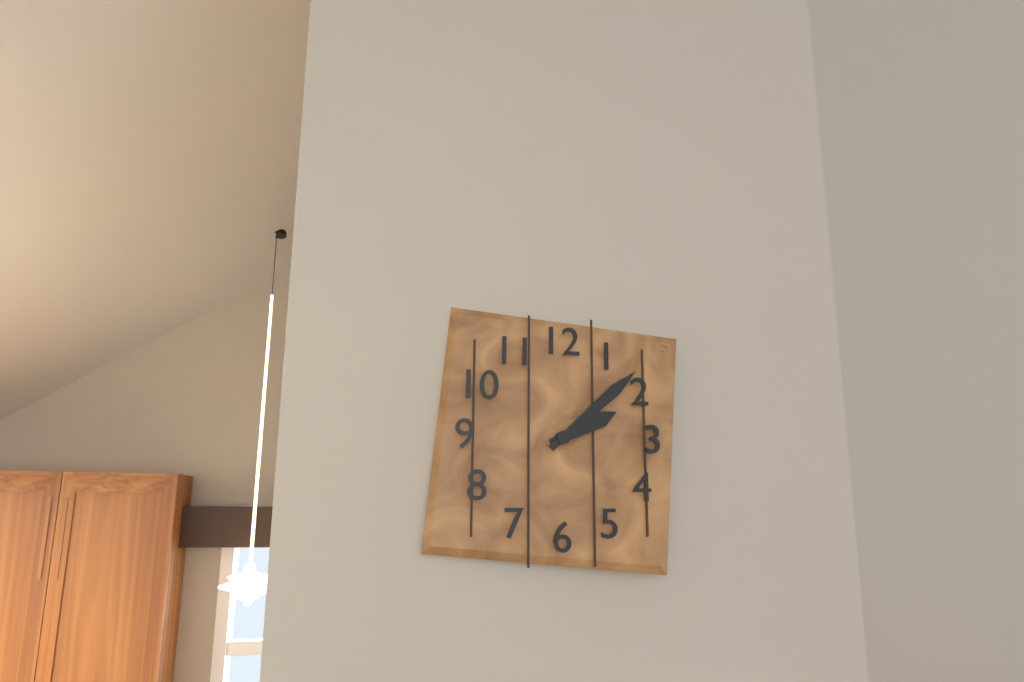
2:08
